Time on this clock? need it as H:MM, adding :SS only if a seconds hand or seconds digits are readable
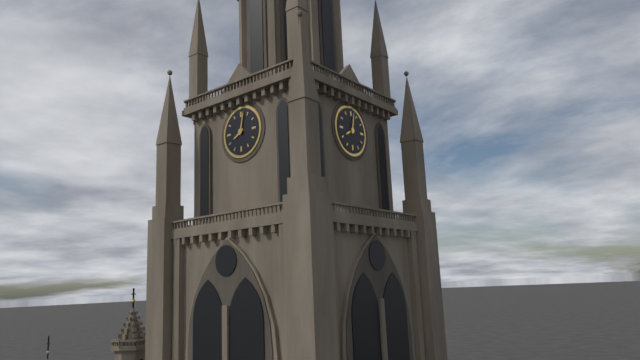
8:02
